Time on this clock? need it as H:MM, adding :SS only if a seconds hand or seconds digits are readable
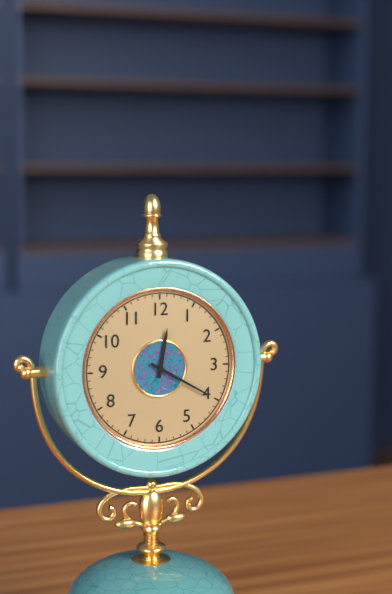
12:20
